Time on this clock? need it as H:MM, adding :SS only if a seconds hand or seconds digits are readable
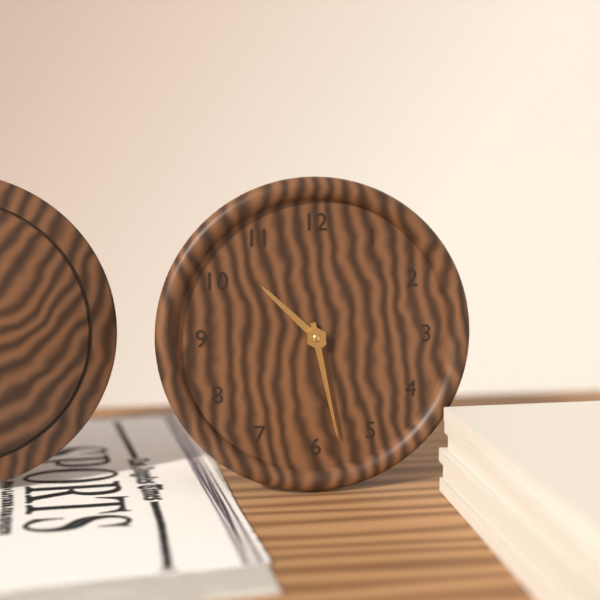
10:28
